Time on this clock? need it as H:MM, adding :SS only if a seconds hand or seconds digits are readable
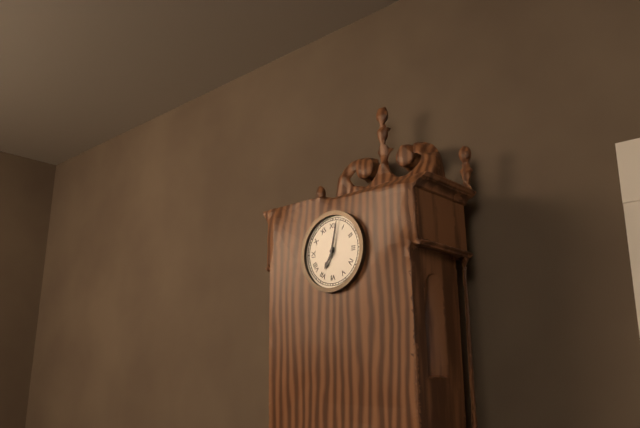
7:02
